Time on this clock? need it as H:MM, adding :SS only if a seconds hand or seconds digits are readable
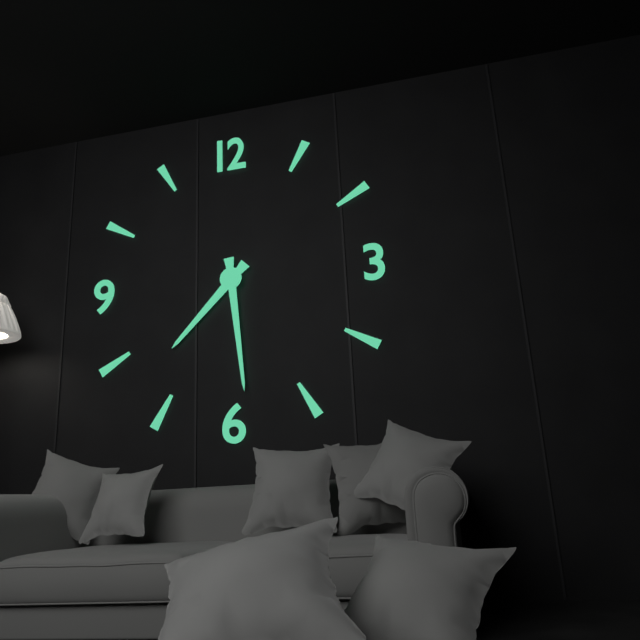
7:29
